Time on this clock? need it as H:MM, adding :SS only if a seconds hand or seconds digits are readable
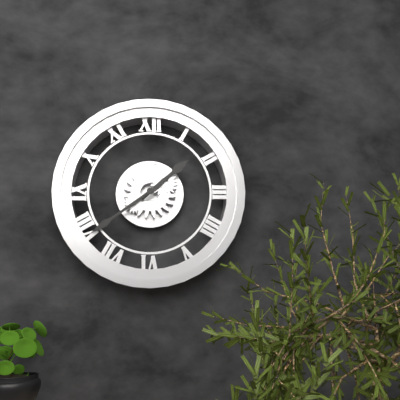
1:39
